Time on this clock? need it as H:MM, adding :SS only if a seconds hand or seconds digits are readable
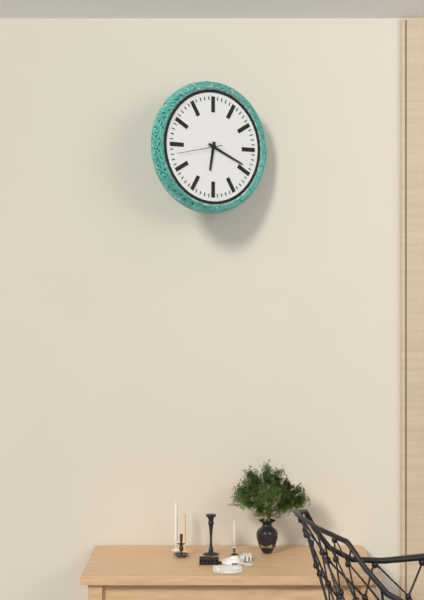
6:19
